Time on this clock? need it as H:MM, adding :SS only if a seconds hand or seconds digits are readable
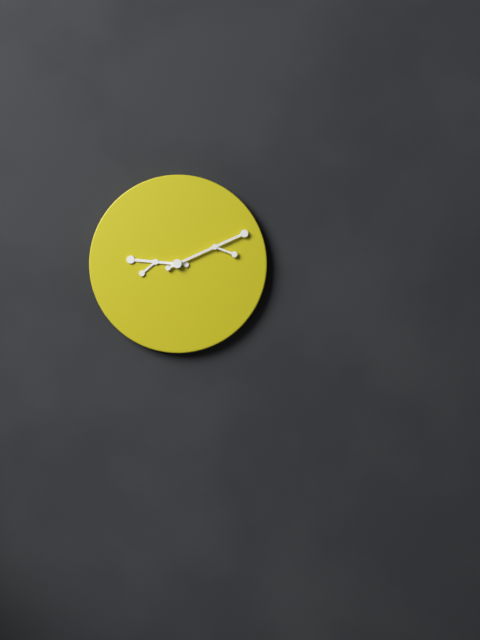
9:11
